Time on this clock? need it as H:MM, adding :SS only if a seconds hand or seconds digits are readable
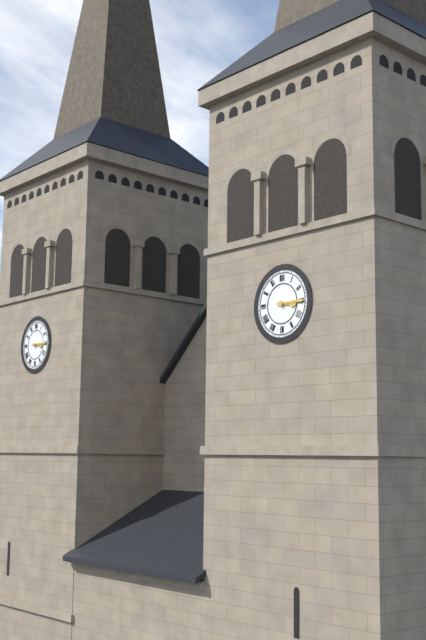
3:15
